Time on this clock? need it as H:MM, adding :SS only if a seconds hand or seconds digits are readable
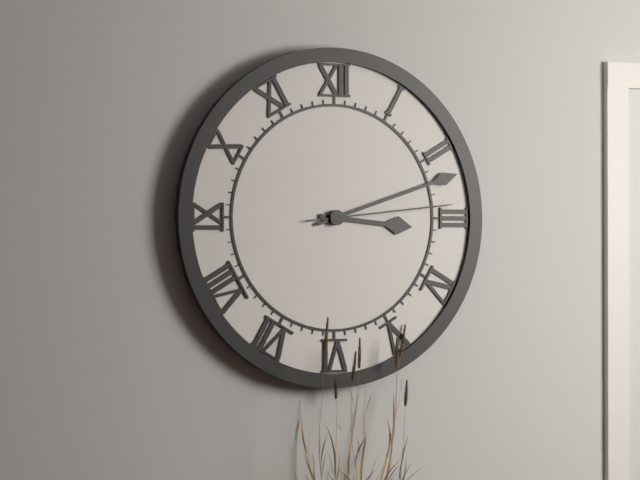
3:12:14
